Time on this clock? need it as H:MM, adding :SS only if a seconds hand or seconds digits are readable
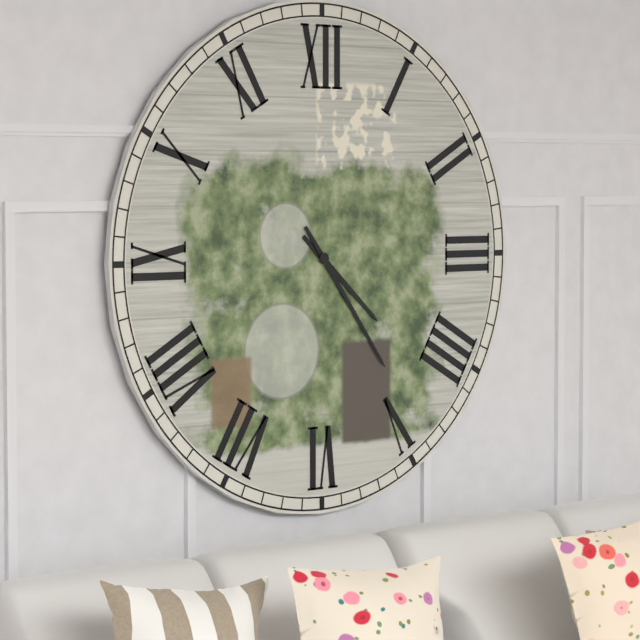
4:24
